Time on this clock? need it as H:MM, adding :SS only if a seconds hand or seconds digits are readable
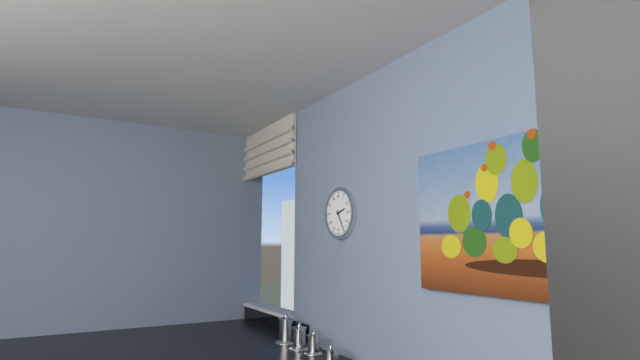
2:25
